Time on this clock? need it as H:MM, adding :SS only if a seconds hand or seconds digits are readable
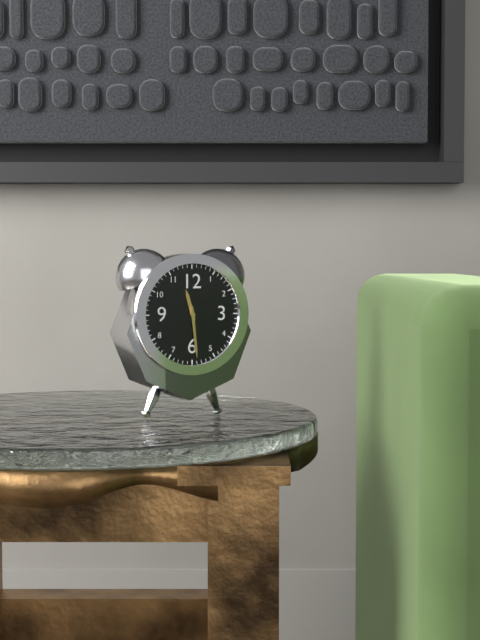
11:29
